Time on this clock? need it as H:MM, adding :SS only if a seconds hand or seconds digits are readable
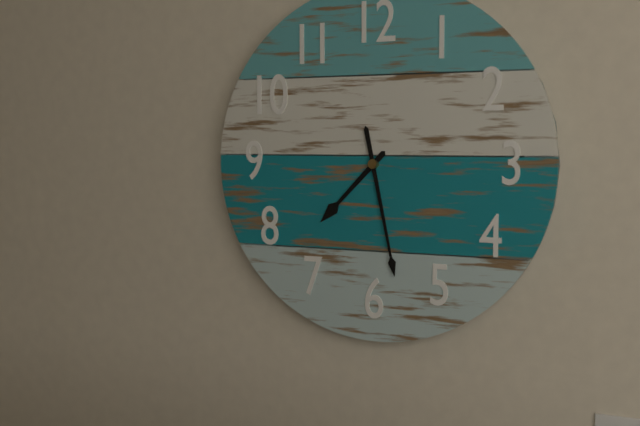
7:28
